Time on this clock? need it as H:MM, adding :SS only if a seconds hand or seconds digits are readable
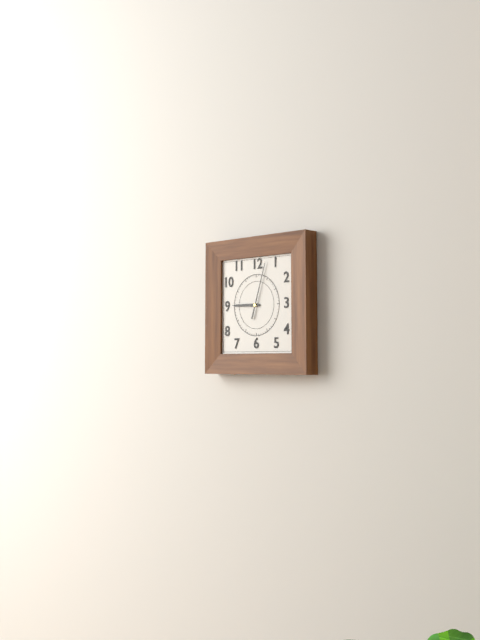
9:03
